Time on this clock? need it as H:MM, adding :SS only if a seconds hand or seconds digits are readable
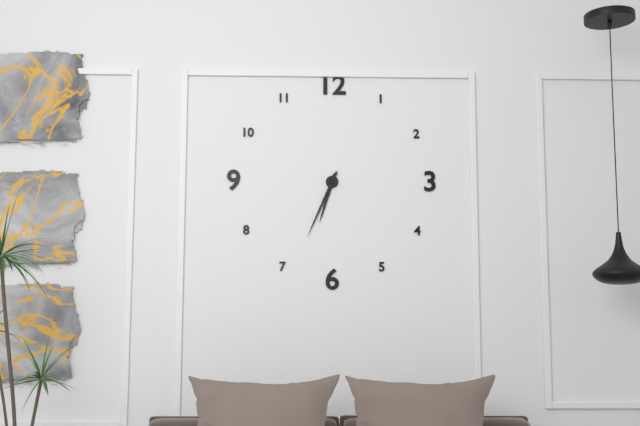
6:34
